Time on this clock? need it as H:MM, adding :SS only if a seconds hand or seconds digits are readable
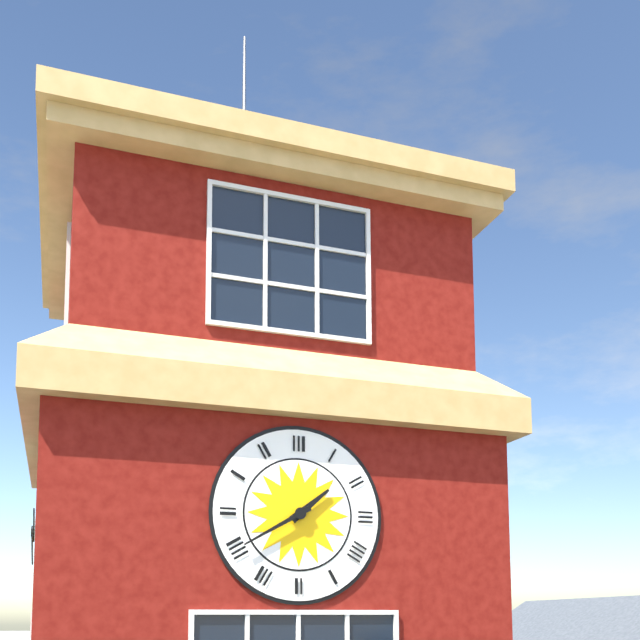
1:40
